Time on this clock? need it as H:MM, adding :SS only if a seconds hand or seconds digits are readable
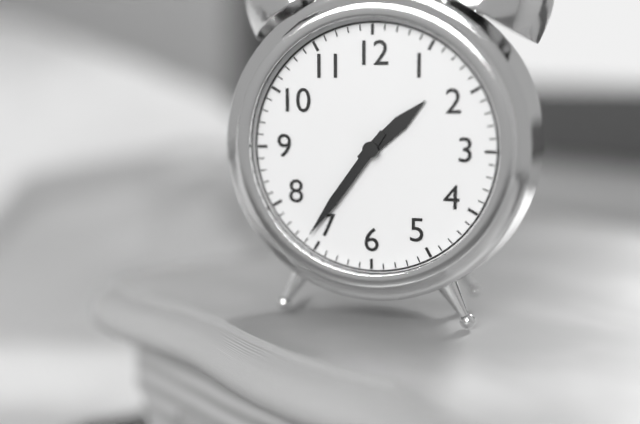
1:36
